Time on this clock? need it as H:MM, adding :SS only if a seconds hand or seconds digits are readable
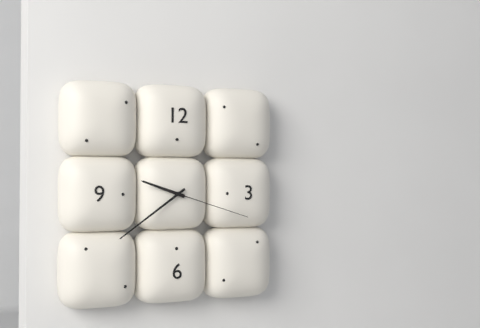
9:39:18
